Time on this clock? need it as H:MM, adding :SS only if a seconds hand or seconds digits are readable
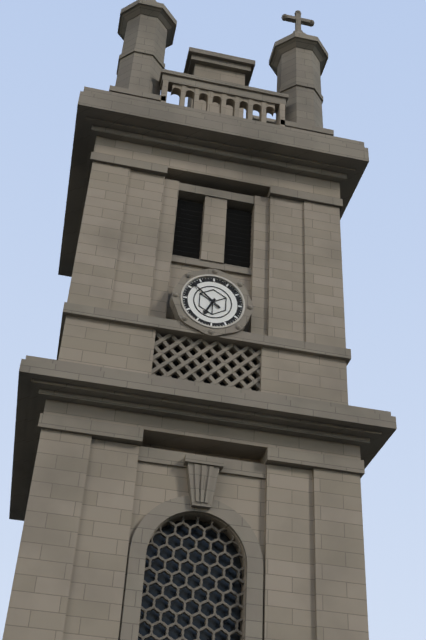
6:52
